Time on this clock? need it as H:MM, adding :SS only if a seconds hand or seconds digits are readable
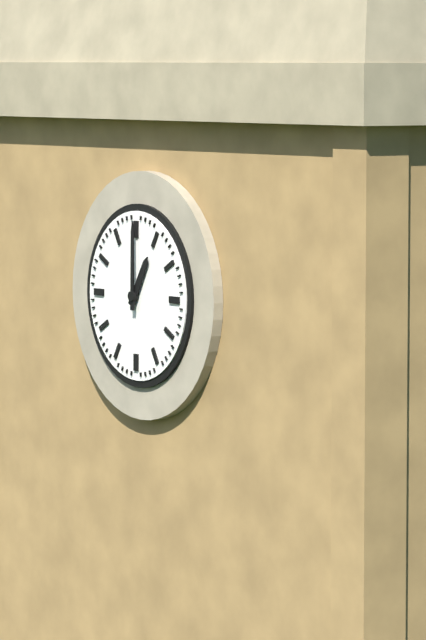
1:00
